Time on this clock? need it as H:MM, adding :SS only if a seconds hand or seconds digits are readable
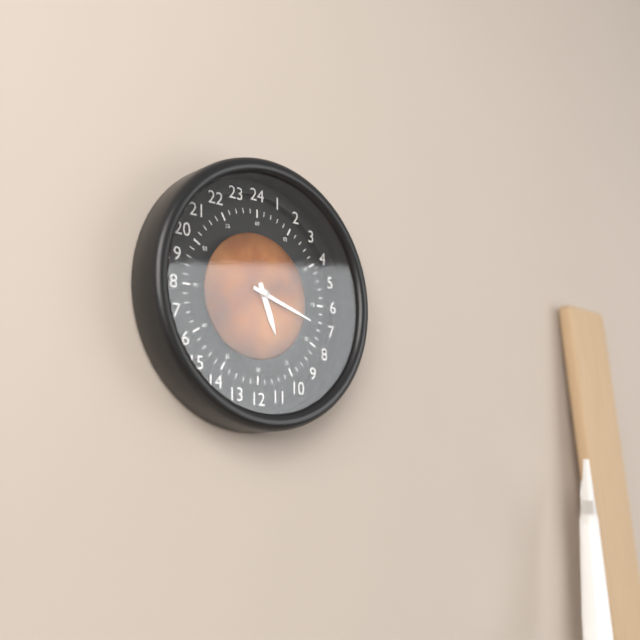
5:18
